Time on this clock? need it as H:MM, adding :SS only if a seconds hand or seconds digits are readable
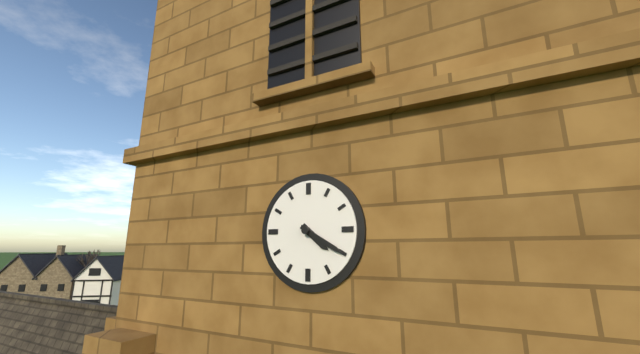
4:20
